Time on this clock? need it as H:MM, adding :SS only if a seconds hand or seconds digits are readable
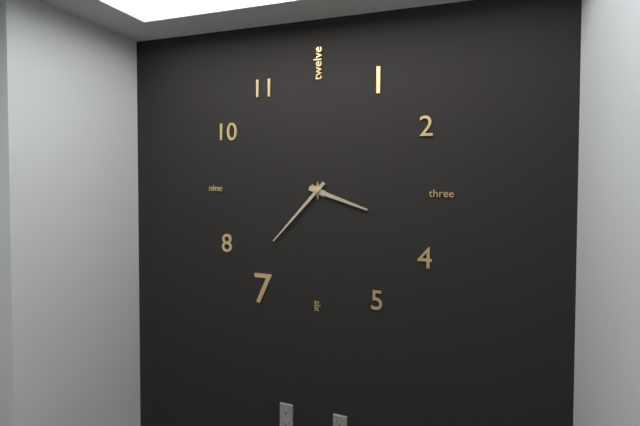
3:37
